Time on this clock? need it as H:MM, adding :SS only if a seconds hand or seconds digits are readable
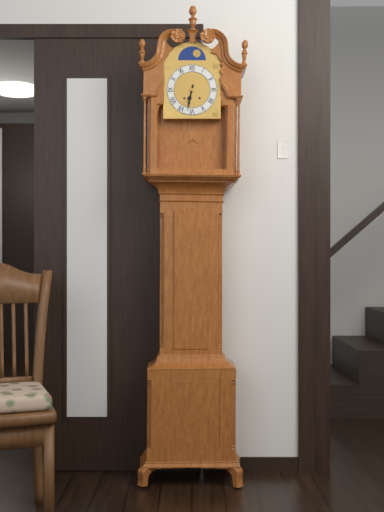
6:32
